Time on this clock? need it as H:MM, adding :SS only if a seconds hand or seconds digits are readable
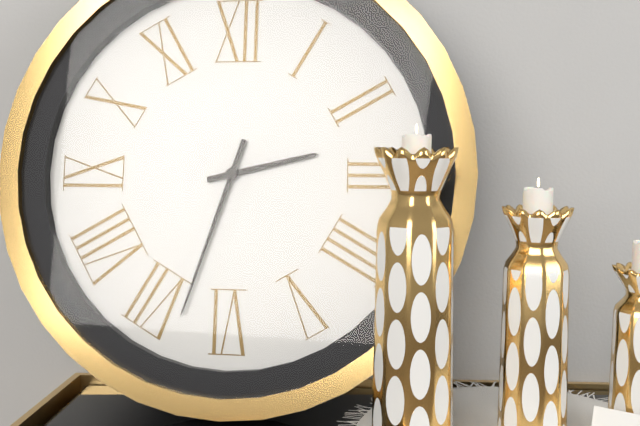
2:33
